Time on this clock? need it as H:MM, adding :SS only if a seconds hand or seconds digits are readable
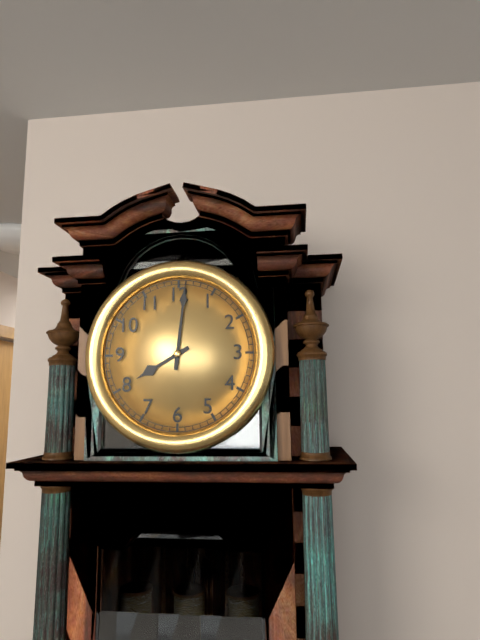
8:01
